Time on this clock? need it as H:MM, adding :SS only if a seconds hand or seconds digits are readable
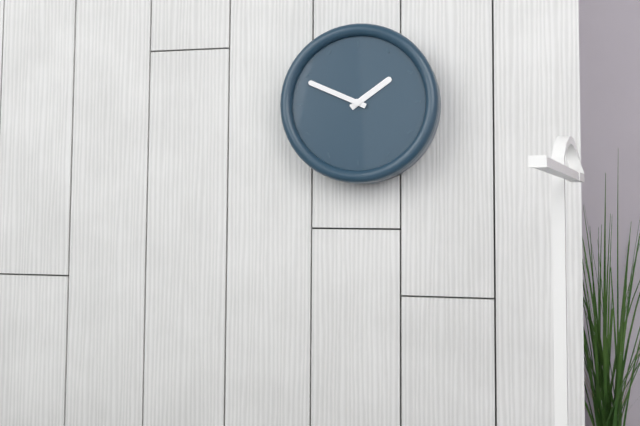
1:49
